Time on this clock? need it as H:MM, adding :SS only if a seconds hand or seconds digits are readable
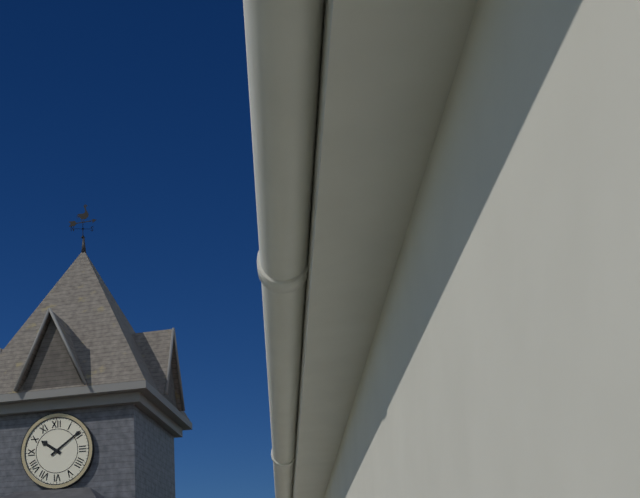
10:09
